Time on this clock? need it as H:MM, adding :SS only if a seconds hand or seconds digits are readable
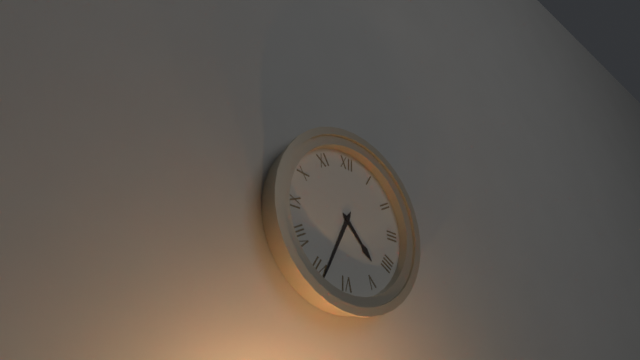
4:34
